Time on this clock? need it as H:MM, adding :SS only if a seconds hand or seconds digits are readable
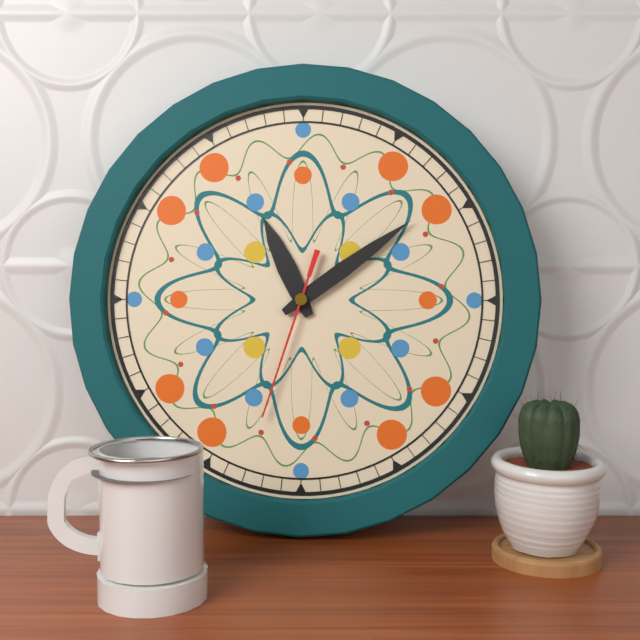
11:09:33
